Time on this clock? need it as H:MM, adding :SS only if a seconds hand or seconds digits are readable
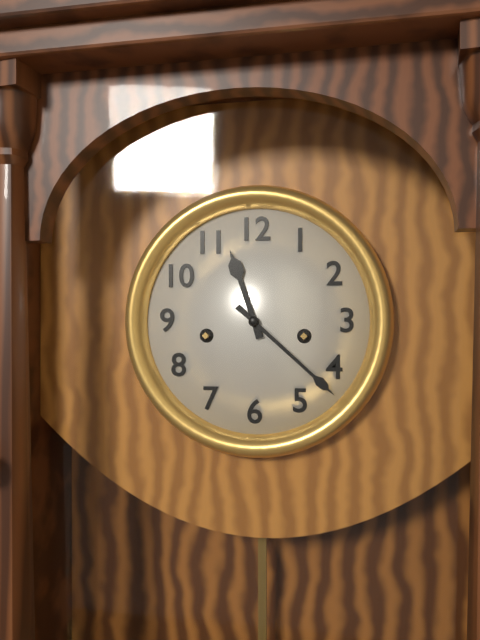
11:22
